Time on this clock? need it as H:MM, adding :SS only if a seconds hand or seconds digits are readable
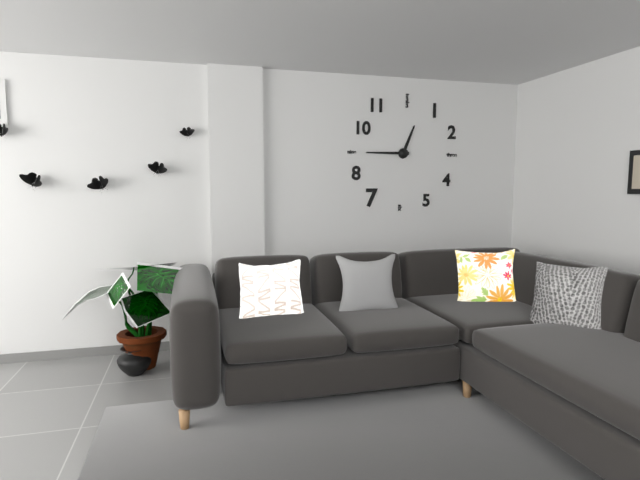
12:45
